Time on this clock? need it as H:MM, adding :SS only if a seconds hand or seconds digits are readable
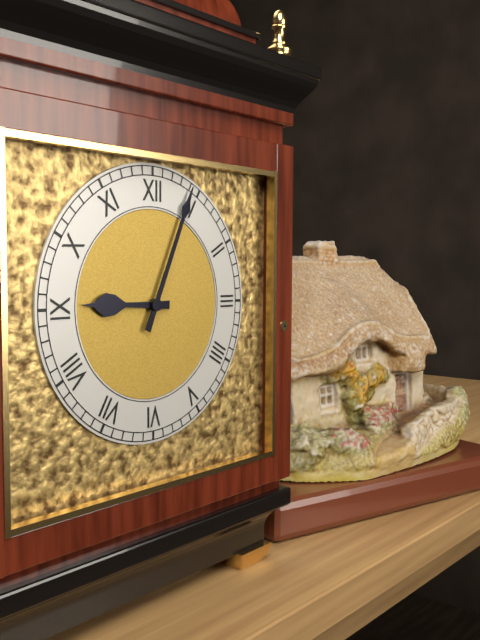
9:04
